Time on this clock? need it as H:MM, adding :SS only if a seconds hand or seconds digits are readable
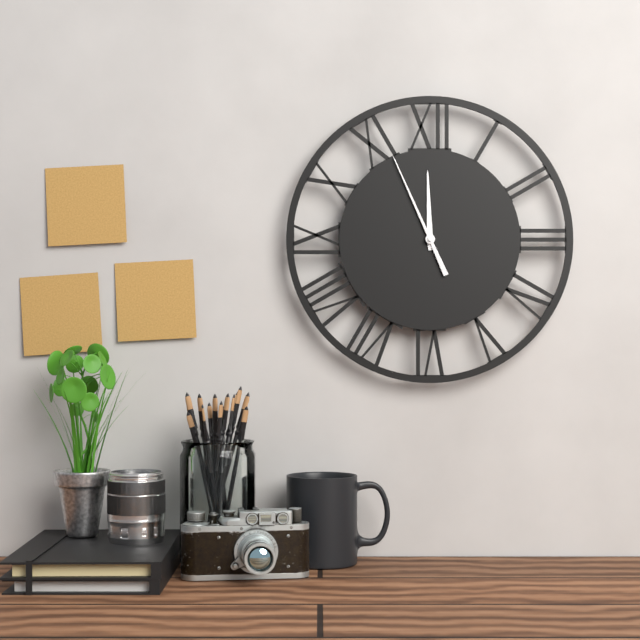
11:56
